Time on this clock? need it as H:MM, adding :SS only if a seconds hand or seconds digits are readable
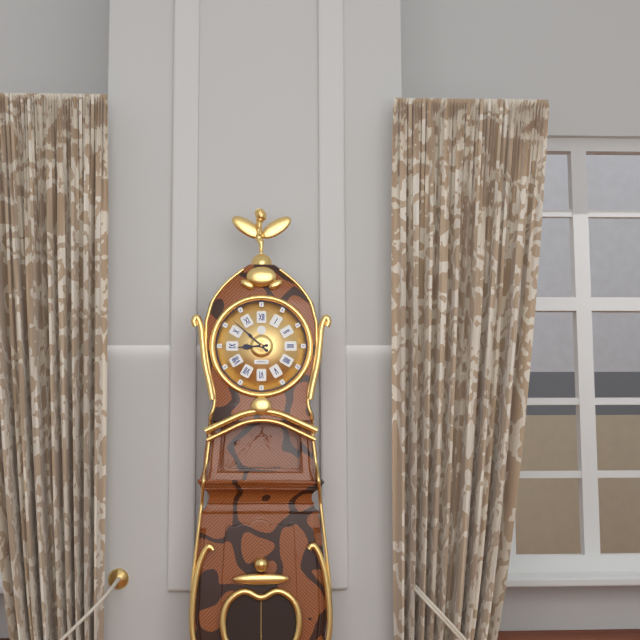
8:52
